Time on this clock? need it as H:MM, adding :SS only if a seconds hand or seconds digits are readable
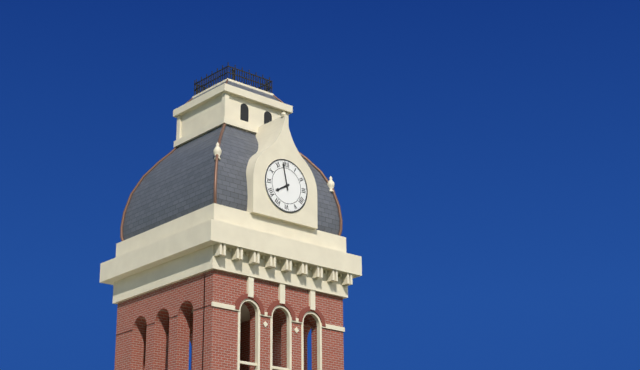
7:58
